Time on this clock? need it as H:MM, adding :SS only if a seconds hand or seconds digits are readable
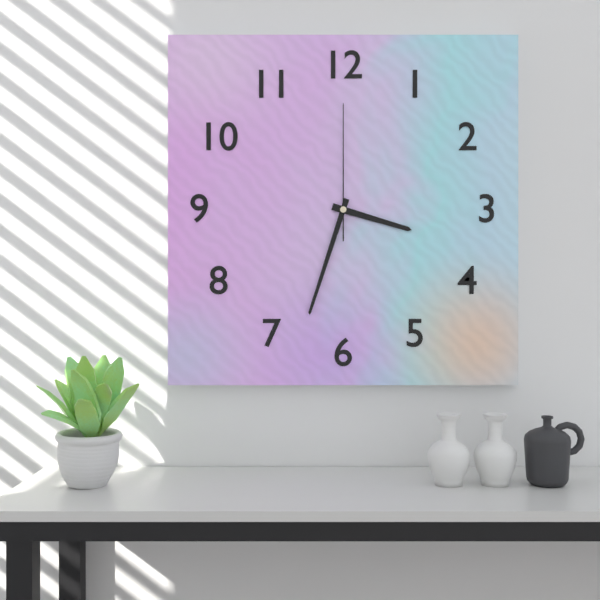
3:33:00
